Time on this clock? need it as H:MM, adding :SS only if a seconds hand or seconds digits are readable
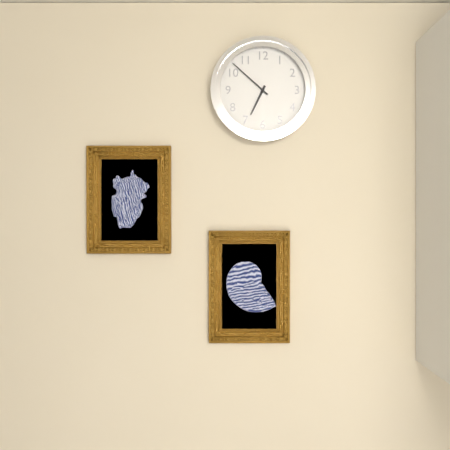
6:52
